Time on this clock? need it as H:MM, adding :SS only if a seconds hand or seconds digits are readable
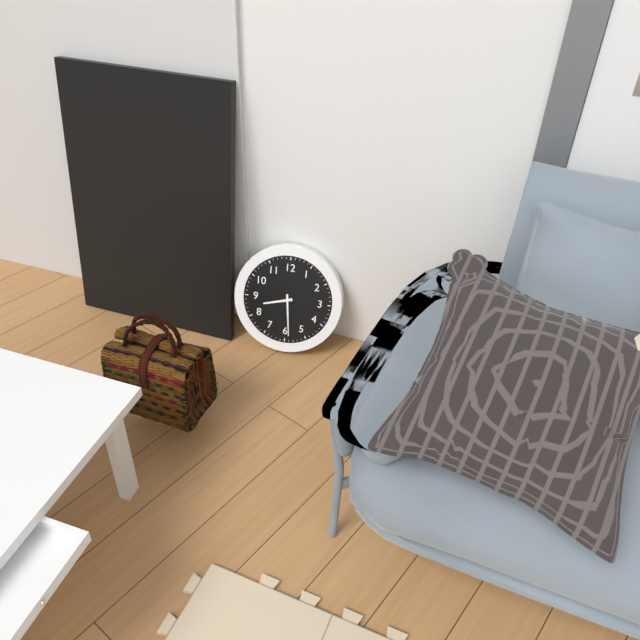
8:29
